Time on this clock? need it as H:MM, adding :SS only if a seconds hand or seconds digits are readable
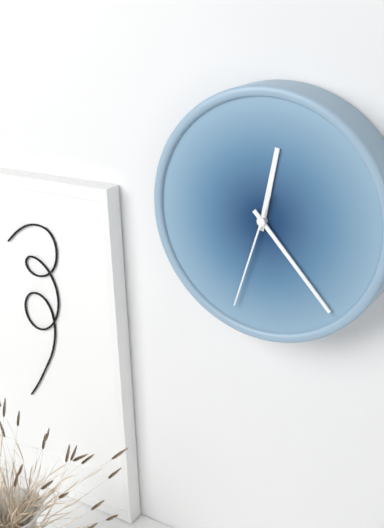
12:23:33
